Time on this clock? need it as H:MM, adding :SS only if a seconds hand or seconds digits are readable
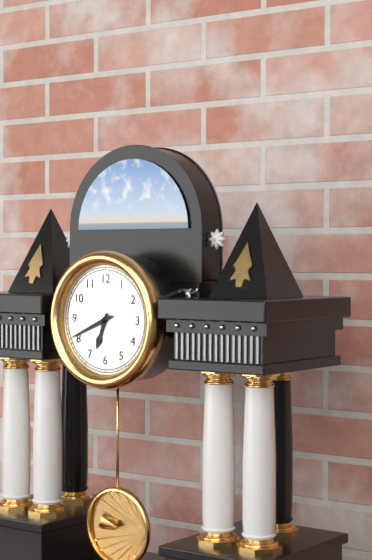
6:41
